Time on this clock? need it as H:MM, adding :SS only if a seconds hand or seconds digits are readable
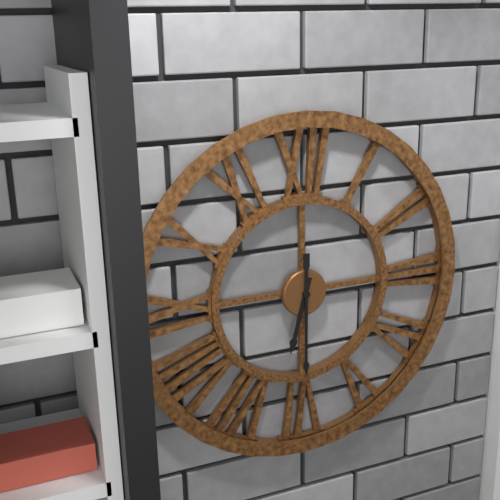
6:30
